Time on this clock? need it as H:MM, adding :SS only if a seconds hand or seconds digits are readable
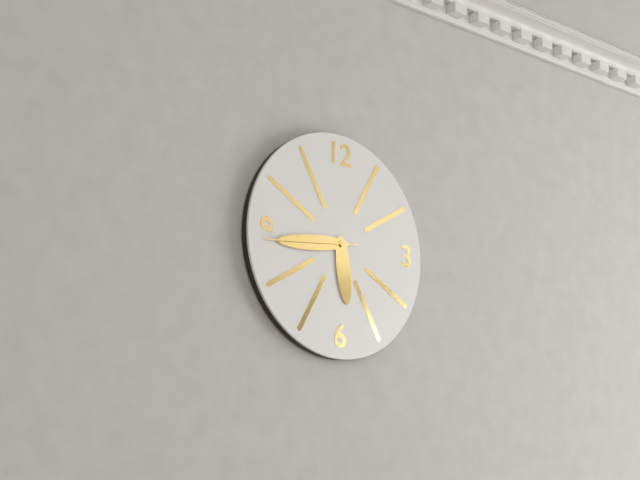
5:44:44
